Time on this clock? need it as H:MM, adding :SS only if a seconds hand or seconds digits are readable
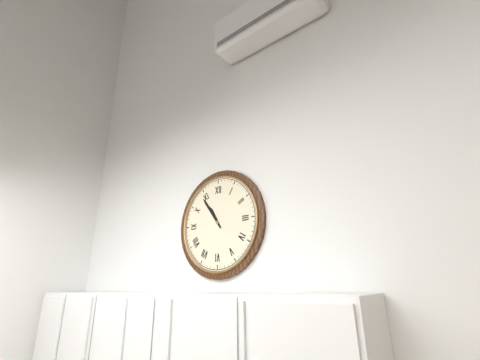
10:54
